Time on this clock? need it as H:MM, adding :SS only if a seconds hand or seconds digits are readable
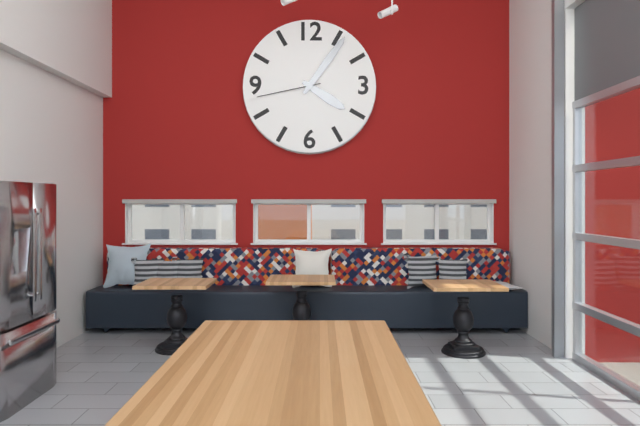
4:06:43
